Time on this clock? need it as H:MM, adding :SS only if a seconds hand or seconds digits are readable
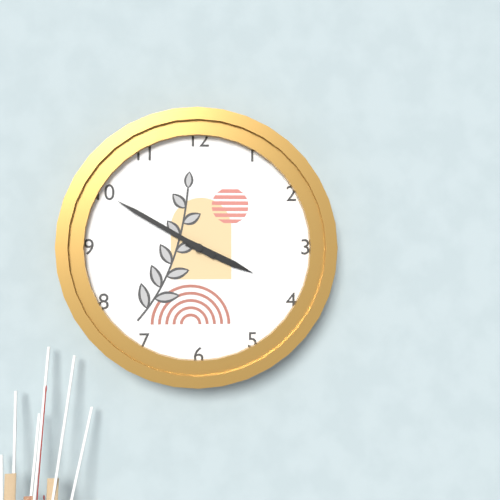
3:50
